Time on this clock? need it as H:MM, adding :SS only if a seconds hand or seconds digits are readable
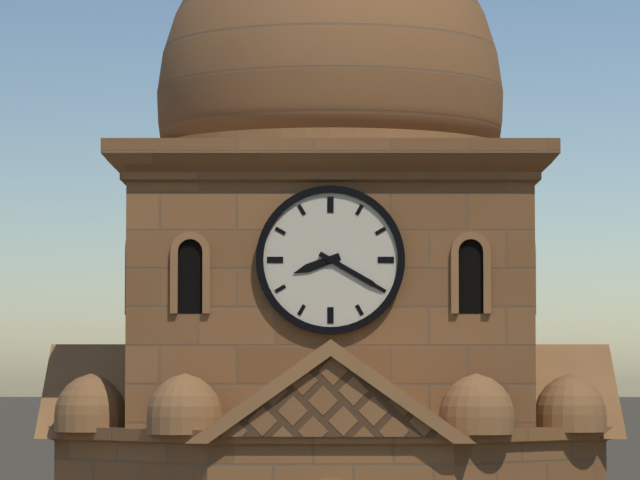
8:20
